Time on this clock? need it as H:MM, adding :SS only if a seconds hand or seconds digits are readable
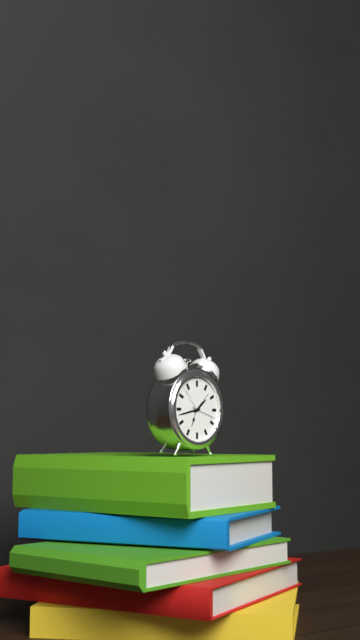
1:43
